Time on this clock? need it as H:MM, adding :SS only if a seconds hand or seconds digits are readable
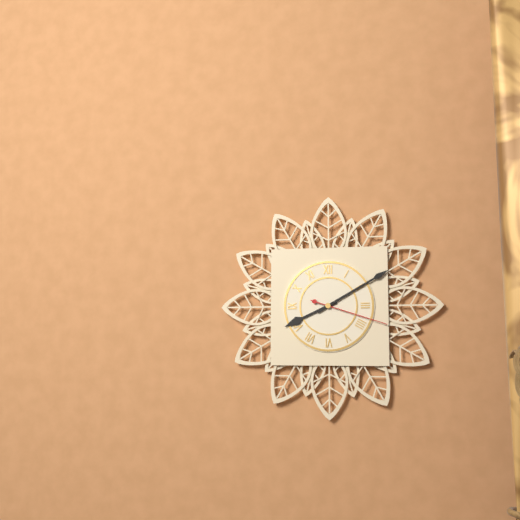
8:10:18
